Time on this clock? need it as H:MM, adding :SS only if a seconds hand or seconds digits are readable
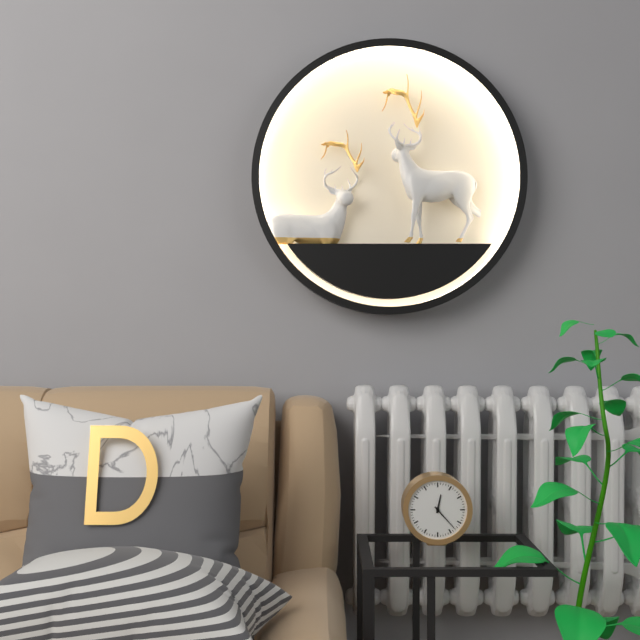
12:23
